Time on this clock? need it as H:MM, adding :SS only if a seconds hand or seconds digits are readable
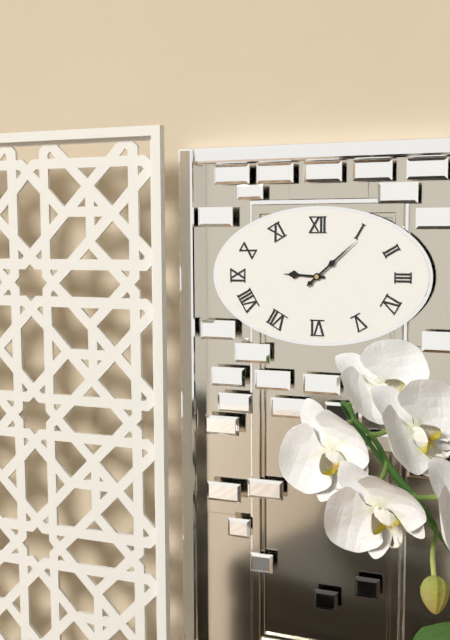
9:08
